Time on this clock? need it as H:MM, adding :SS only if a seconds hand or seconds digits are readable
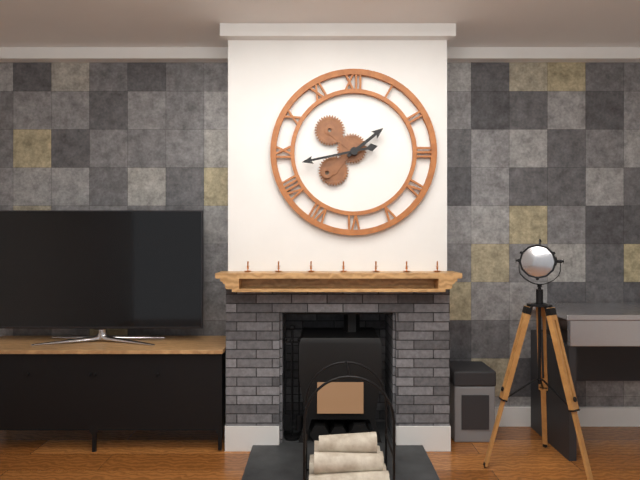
1:43
